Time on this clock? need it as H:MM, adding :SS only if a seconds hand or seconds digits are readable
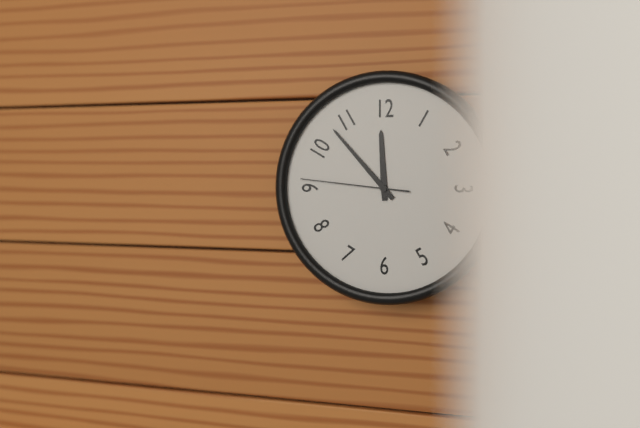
11:53:46
